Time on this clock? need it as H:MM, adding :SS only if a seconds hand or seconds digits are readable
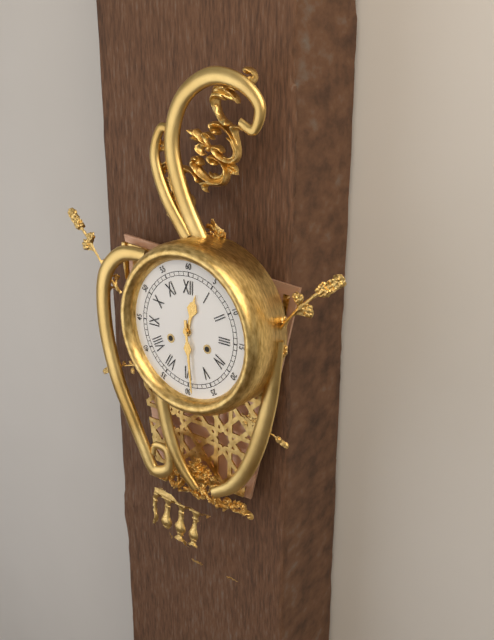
12:29
